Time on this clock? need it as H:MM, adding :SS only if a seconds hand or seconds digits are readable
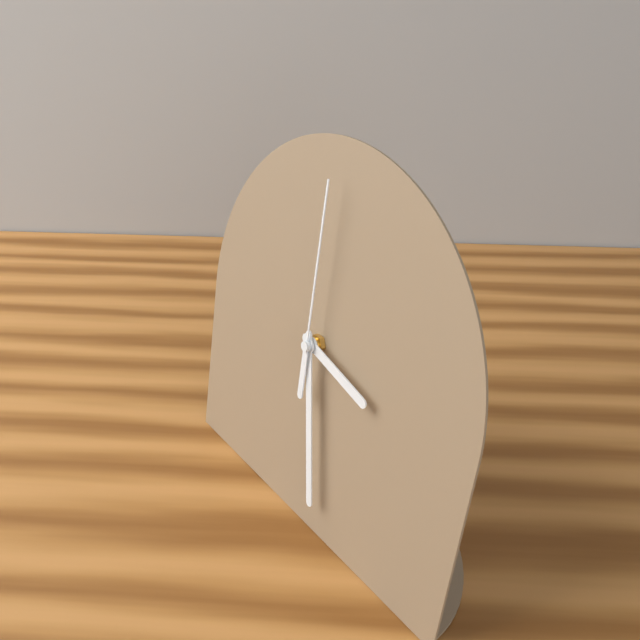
3:28:00
